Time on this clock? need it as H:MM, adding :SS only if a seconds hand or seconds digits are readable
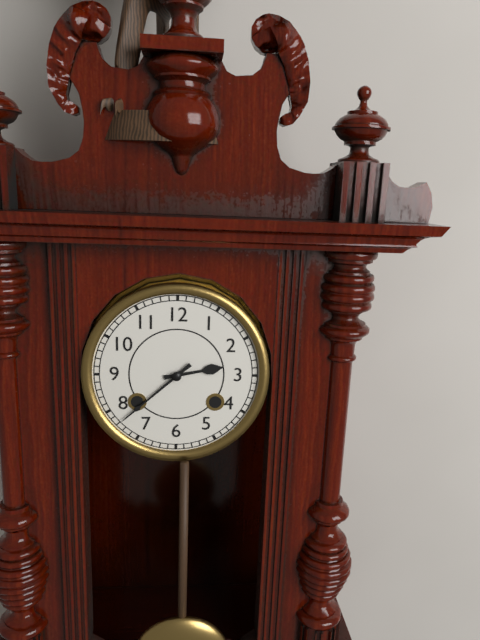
2:38
